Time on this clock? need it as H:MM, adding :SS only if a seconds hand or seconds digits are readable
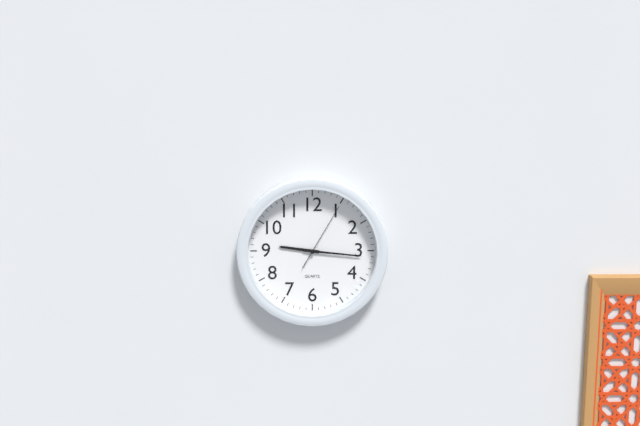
9:16:05
